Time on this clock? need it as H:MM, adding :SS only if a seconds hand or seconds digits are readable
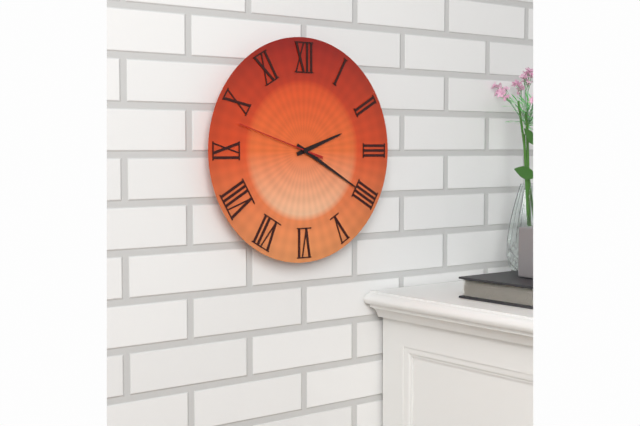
2:20:48
